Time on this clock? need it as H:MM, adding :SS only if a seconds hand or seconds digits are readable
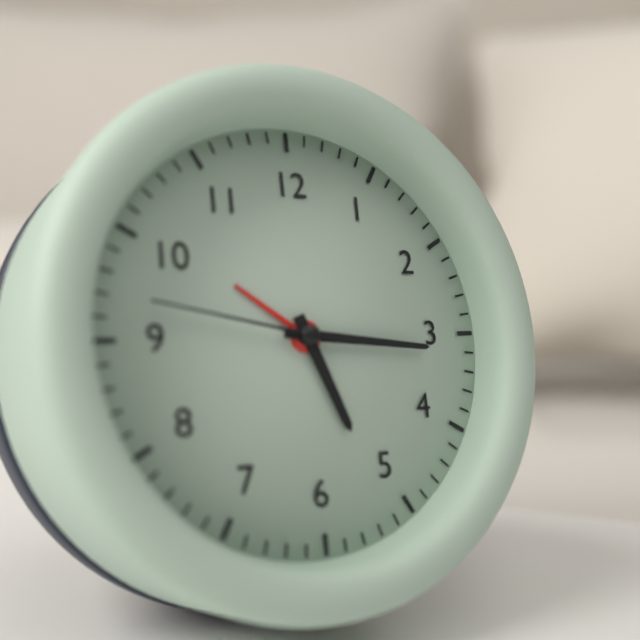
5:16:47
